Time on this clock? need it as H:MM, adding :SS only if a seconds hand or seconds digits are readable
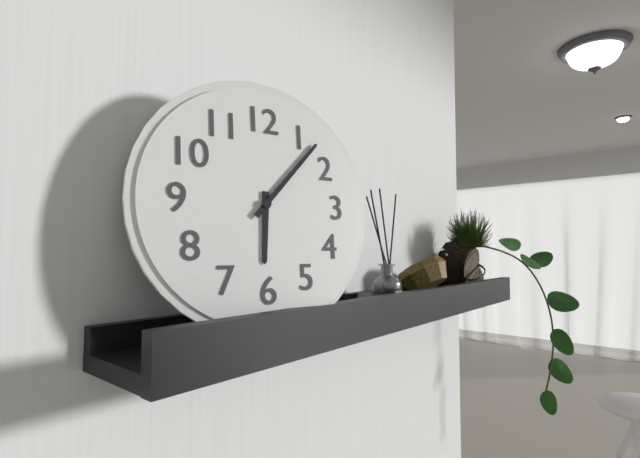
6:07
